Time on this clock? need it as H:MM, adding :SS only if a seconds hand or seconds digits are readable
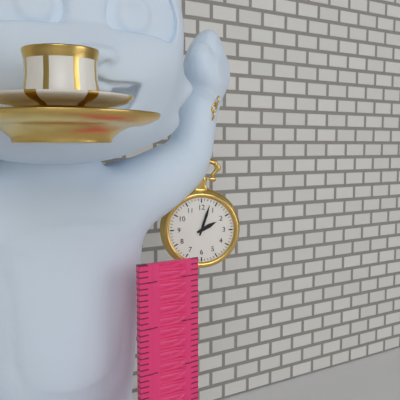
2:03
